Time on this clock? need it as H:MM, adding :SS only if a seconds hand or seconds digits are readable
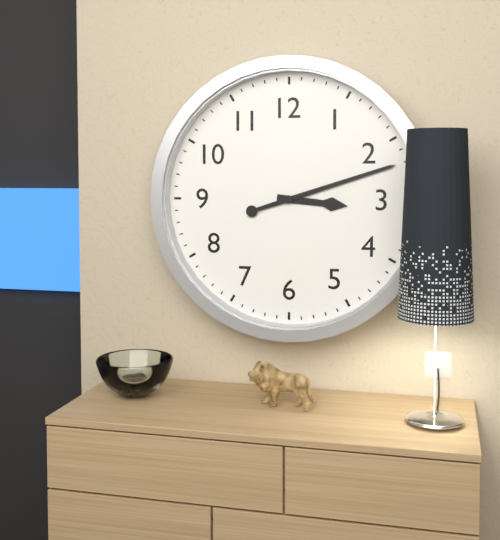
3:12
